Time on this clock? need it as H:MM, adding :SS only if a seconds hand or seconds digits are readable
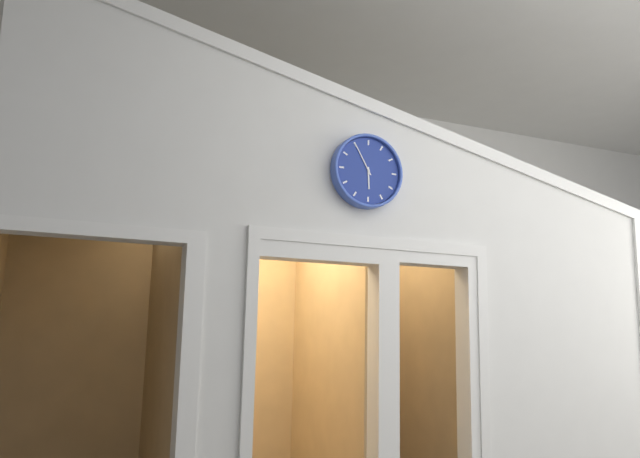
5:55
